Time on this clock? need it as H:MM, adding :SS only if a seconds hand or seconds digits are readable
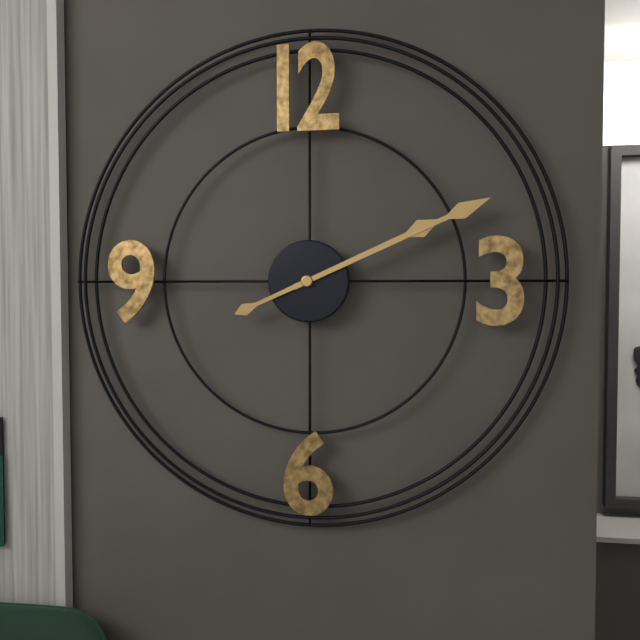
2:11
